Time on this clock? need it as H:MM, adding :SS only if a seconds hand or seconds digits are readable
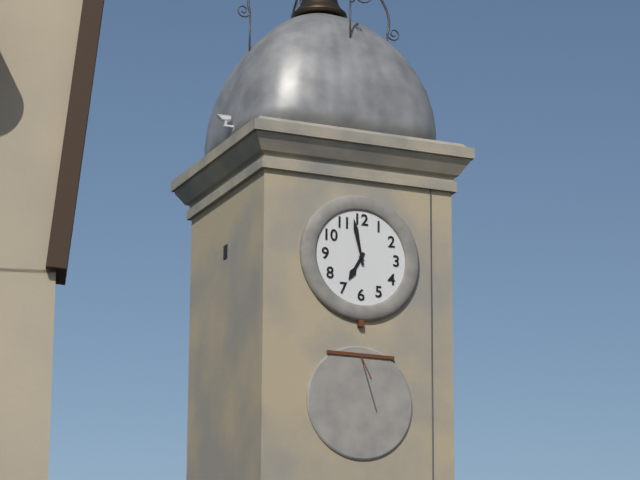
6:58
